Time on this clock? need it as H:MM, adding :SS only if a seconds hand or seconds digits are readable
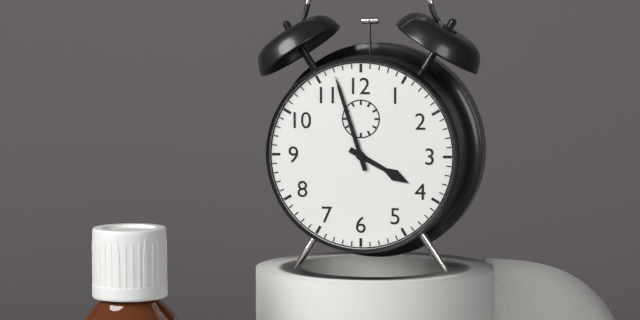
3:57
